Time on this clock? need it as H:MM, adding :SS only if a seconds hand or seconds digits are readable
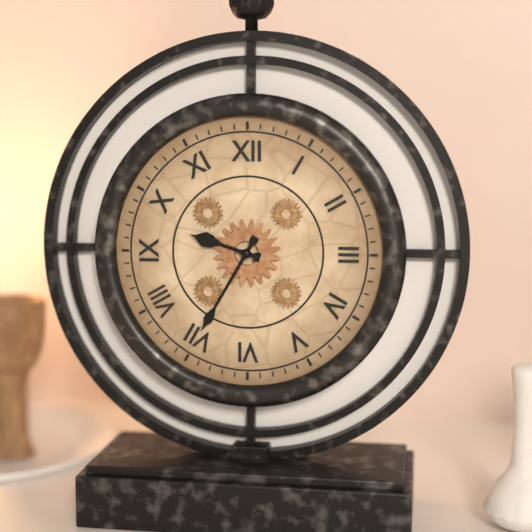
9:35
